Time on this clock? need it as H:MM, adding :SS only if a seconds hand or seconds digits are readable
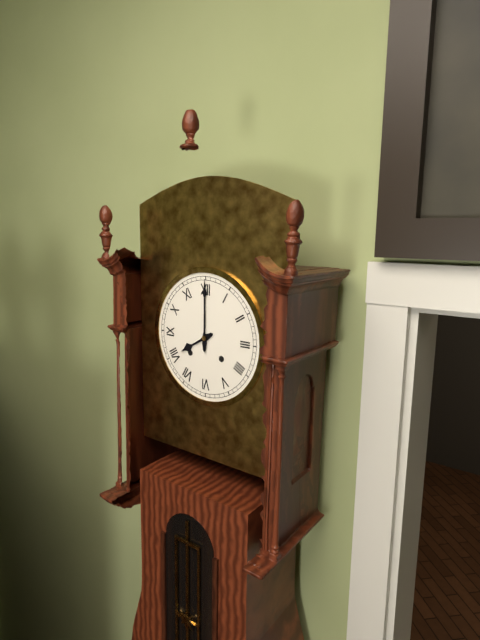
8:00
